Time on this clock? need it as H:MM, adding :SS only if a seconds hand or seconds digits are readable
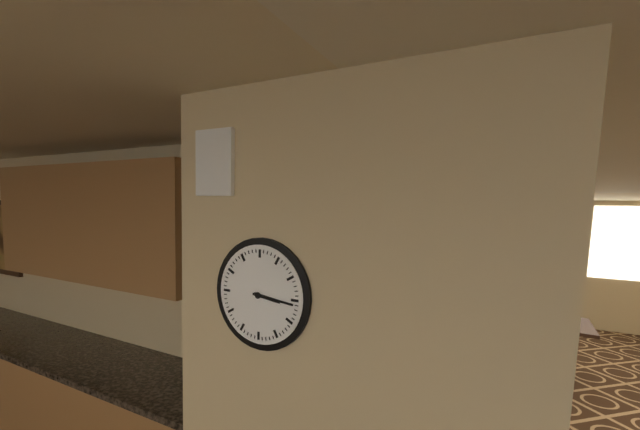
3:16
